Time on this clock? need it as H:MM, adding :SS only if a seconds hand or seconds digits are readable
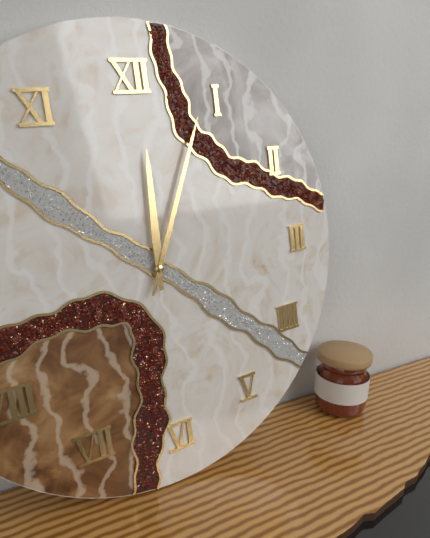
12:04
